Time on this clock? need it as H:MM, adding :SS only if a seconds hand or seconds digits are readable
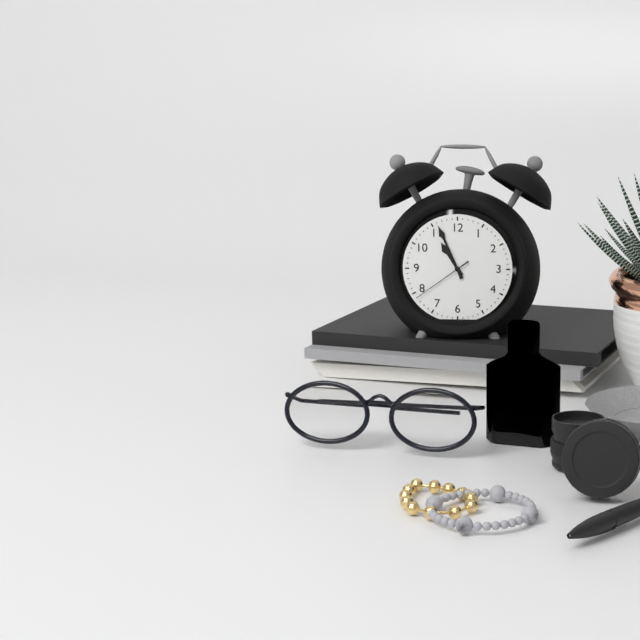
10:56:39
